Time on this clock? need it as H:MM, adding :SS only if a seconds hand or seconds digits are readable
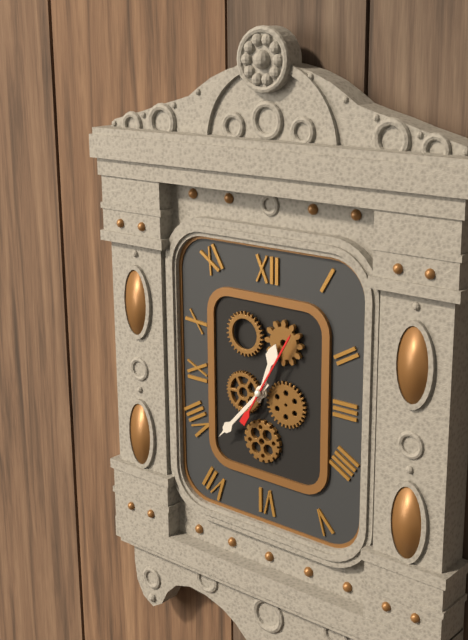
12:37:05
